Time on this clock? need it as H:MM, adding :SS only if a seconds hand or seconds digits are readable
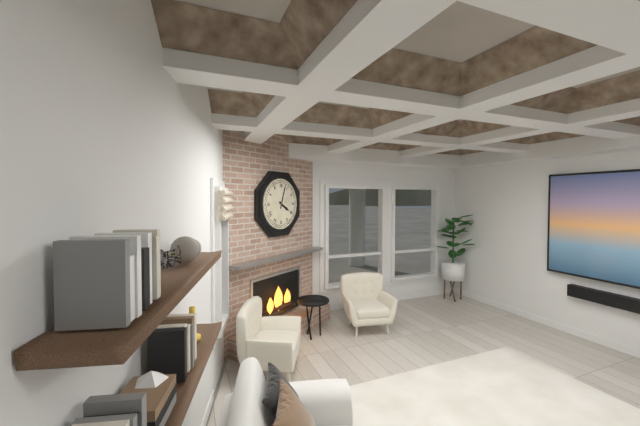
4:03
